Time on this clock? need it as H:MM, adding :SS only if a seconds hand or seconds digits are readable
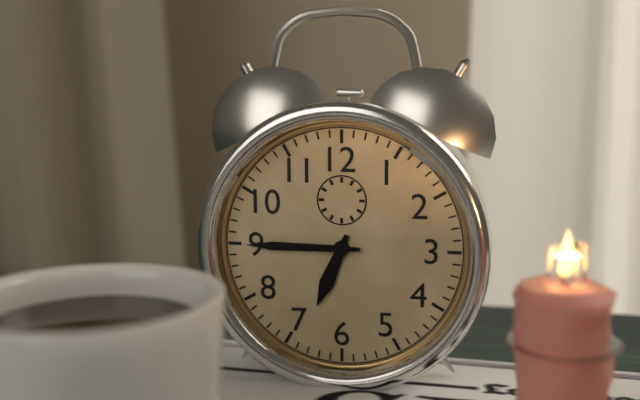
6:45
